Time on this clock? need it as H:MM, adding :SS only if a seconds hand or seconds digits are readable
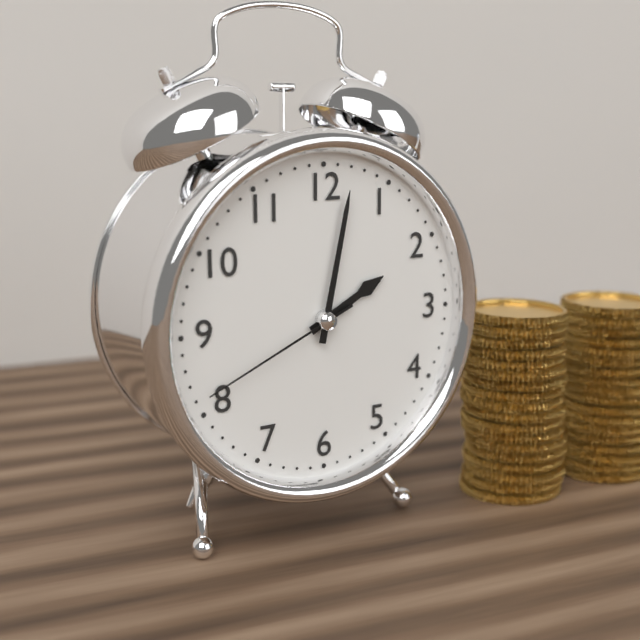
2:02:41
